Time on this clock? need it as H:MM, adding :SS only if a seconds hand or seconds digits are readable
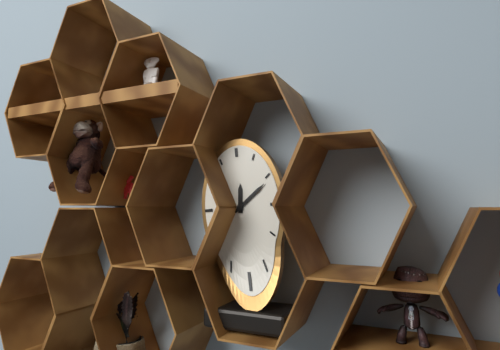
12:09
